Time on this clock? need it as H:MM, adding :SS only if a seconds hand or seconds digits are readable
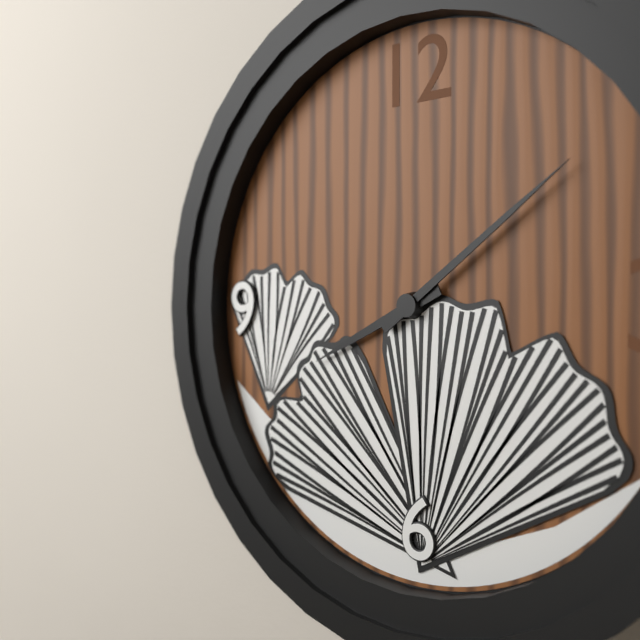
8:09
